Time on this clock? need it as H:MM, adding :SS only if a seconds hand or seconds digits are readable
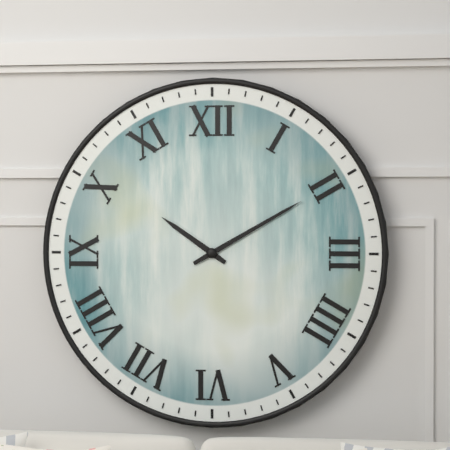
10:10
